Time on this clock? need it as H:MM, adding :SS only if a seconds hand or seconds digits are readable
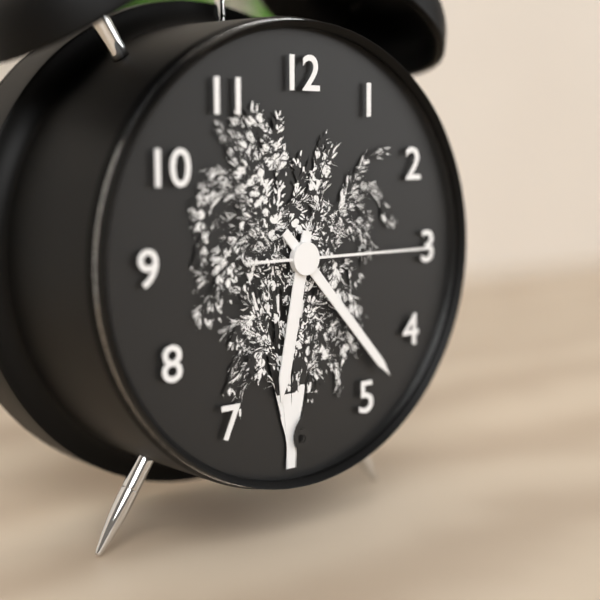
6:23:15
